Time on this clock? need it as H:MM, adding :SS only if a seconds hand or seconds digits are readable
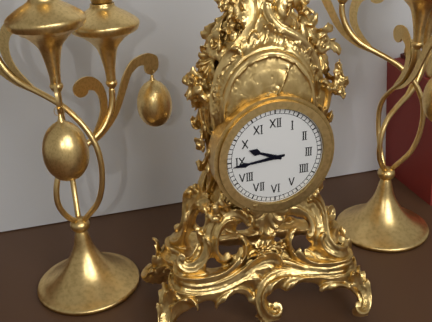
9:44
